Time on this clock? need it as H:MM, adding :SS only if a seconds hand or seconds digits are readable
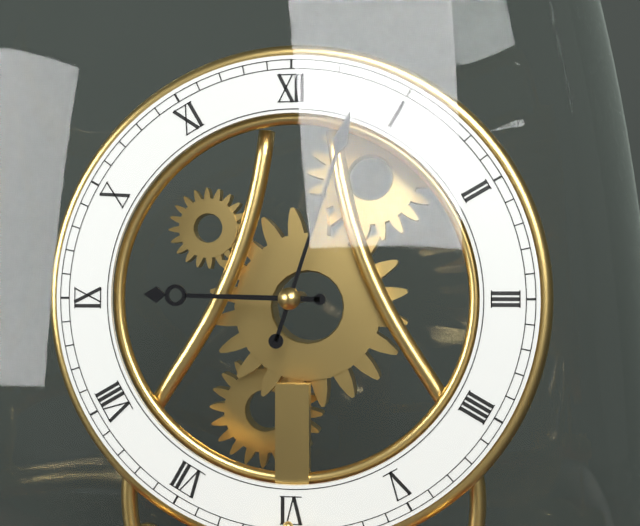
9:03
